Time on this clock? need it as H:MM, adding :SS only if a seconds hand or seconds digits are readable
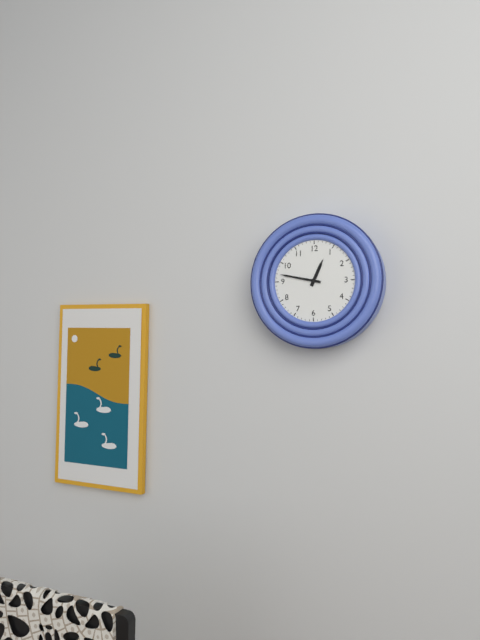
12:47
